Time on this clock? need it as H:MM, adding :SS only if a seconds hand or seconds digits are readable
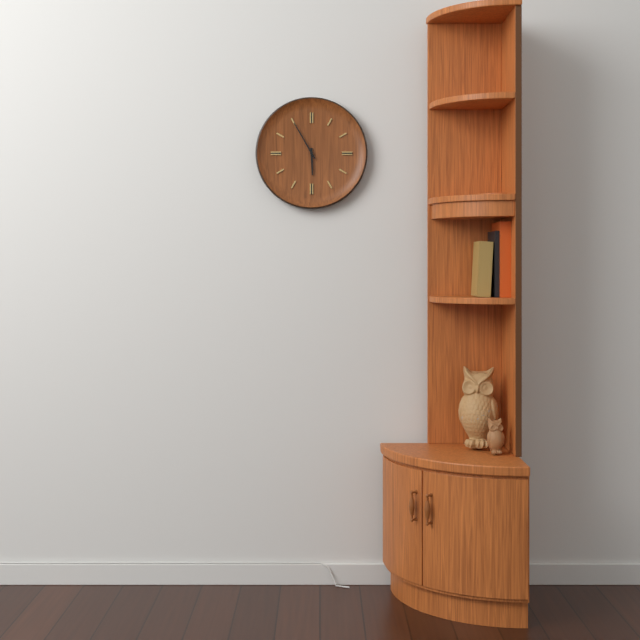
5:55
